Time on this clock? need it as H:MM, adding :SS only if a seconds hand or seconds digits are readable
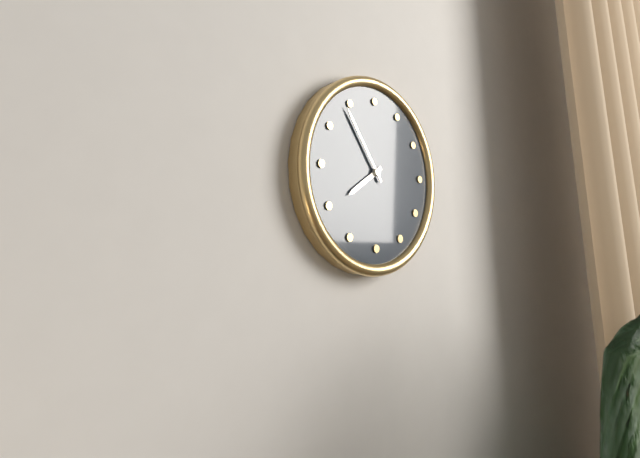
7:54
